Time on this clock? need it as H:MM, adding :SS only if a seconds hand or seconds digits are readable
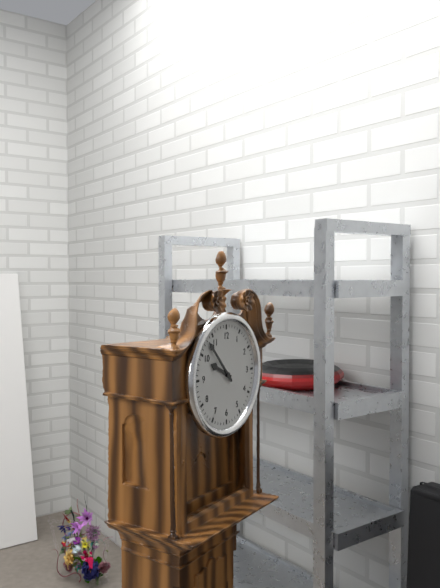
9:53
